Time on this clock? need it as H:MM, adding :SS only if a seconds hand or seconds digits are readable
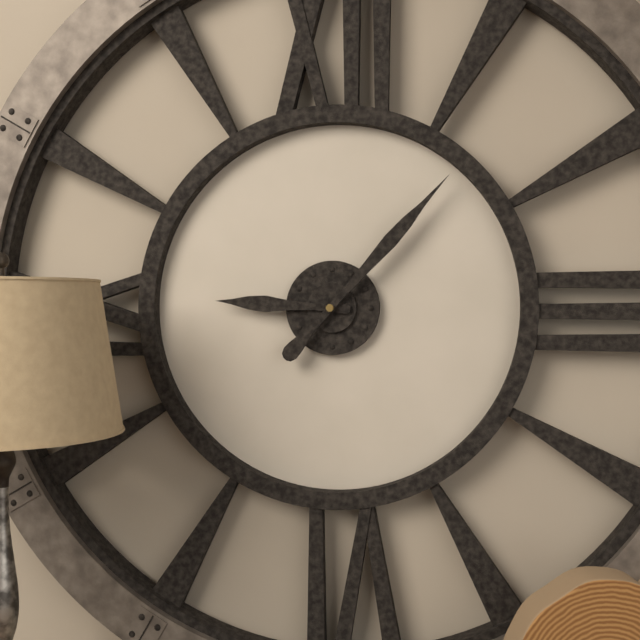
9:07
